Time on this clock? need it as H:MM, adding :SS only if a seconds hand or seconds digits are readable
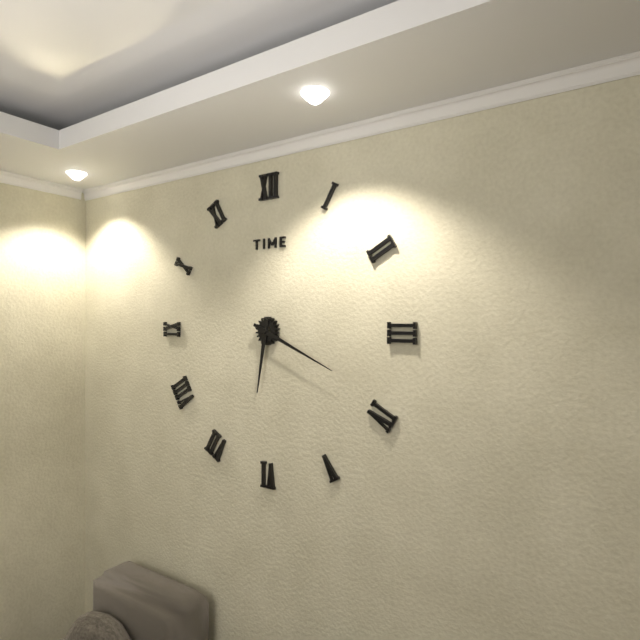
6:19
